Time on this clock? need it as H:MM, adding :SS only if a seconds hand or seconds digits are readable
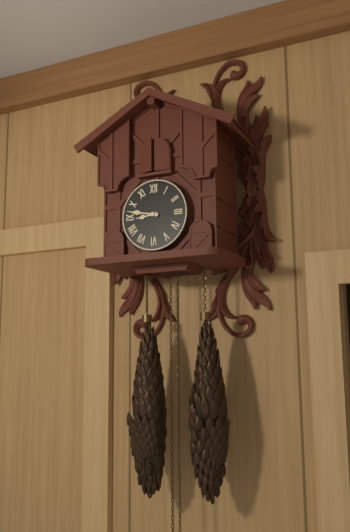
8:47
